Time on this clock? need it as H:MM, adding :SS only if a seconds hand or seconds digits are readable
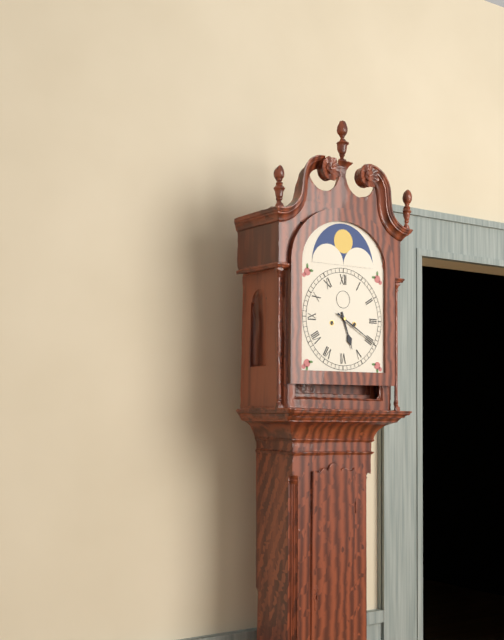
5:20
